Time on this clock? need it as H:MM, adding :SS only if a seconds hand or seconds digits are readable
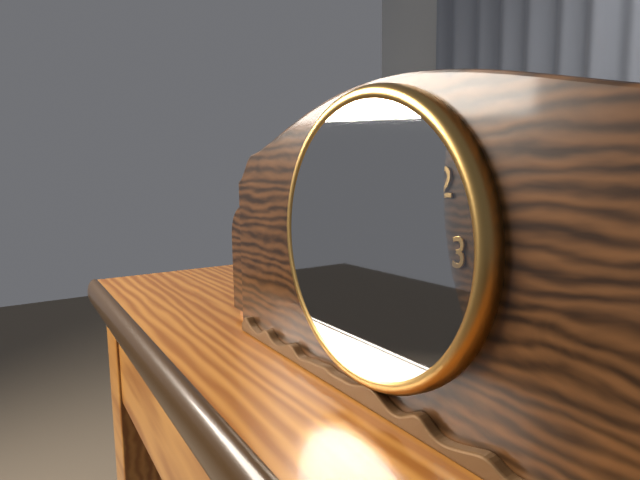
1:30
